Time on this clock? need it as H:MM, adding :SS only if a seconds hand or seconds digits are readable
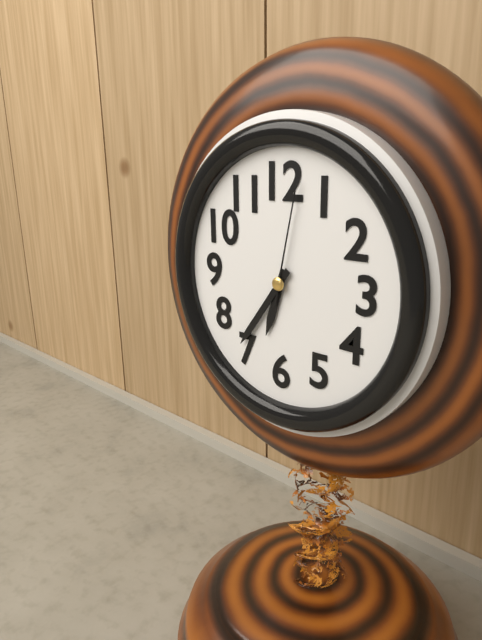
6:36:02
